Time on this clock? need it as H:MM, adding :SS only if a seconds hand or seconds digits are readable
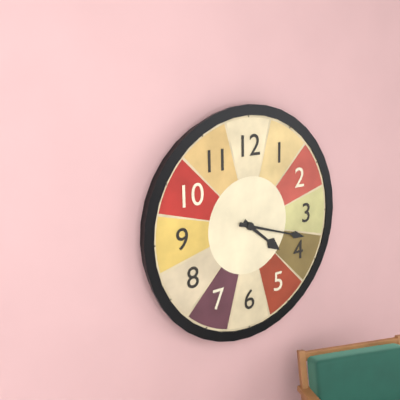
4:18
